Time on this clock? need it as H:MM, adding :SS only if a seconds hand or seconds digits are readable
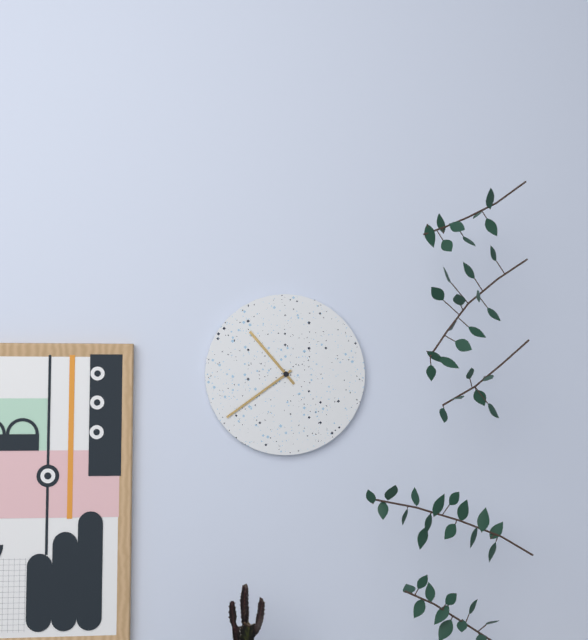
10:39
